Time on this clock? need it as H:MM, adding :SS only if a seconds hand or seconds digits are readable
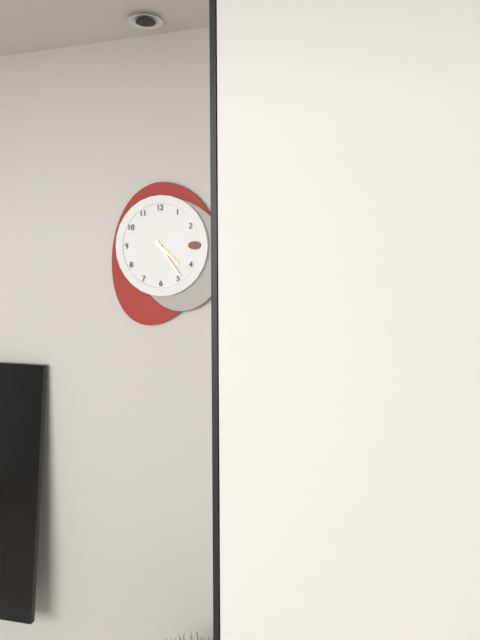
4:24
